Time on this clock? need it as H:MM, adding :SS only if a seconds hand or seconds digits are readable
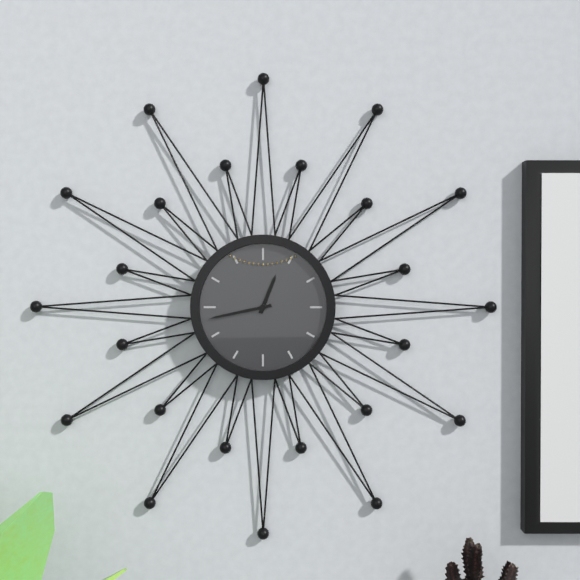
12:43
